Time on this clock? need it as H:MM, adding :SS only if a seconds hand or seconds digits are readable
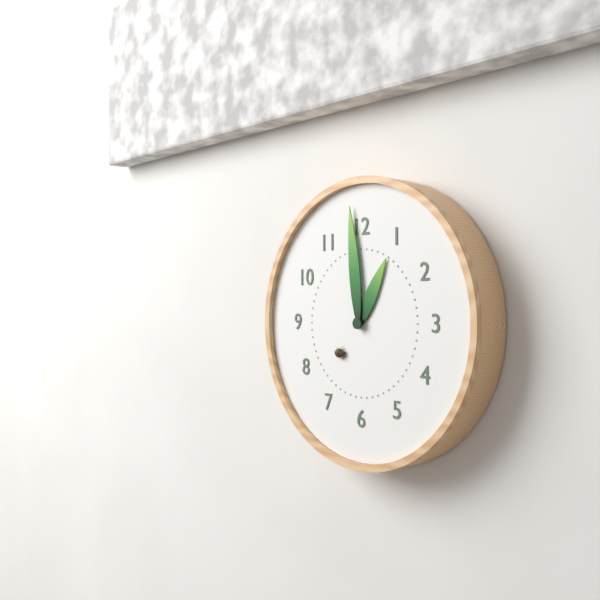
12:59
